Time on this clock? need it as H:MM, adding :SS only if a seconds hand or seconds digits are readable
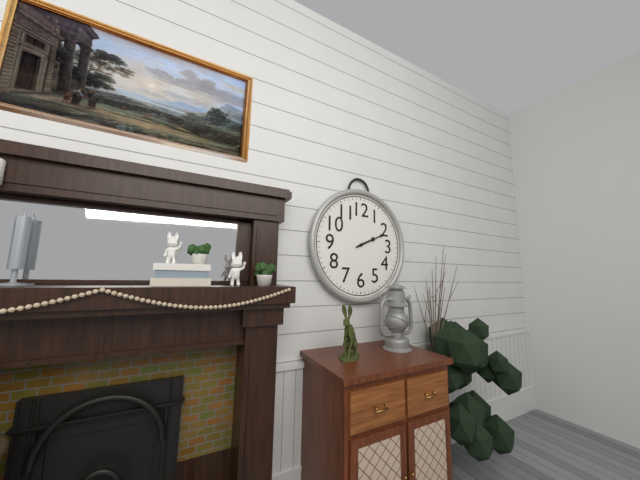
2:11
